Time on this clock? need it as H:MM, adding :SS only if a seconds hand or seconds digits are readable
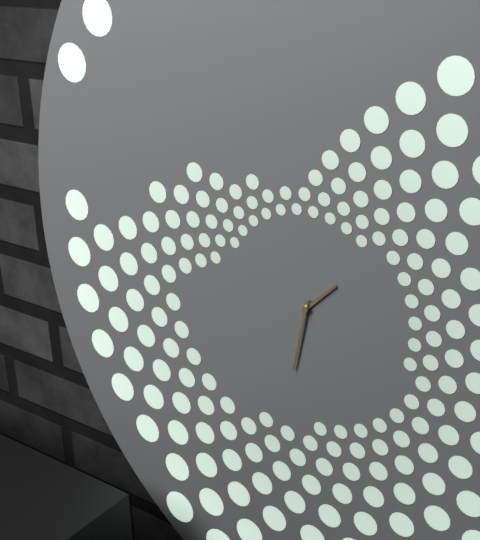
1:32
